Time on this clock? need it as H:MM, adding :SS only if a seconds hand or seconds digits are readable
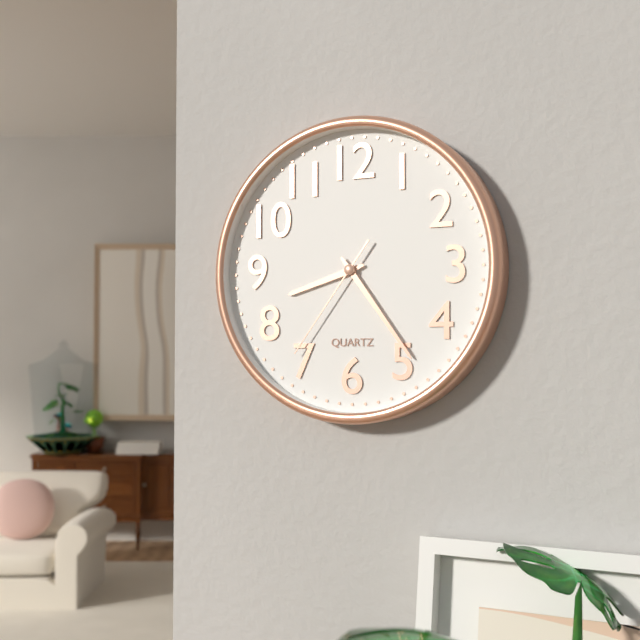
8:24:36
